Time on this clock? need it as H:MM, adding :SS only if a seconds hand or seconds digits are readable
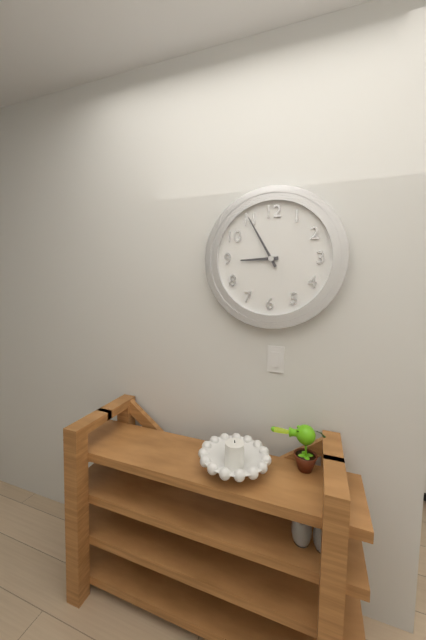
8:55
